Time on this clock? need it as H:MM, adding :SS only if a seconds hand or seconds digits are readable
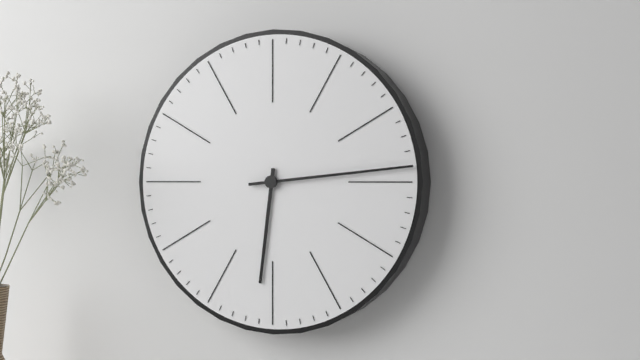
6:14
